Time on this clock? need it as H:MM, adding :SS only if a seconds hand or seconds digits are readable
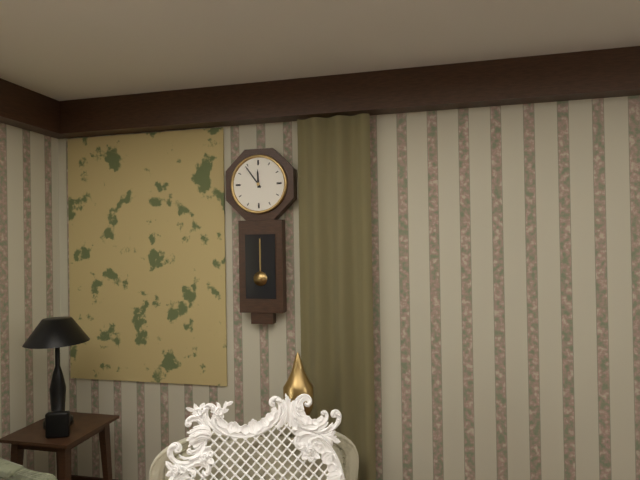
11:54
